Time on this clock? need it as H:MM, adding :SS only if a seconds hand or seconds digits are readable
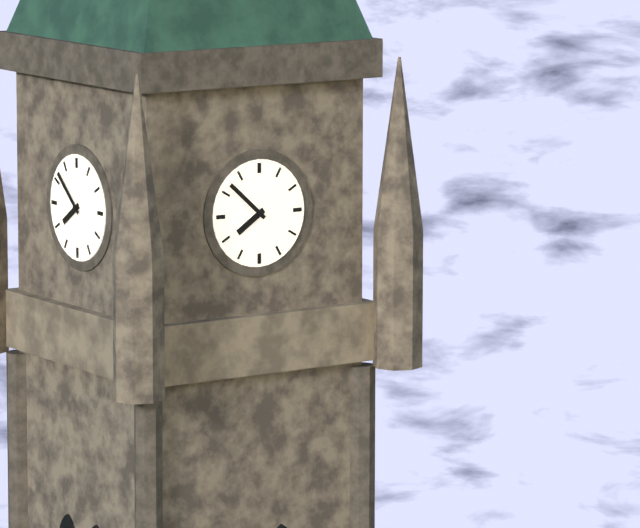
7:52
